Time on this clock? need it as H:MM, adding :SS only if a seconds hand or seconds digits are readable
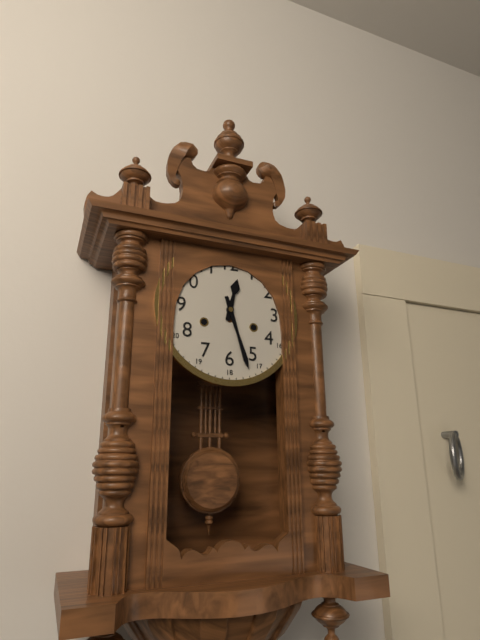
12:27
